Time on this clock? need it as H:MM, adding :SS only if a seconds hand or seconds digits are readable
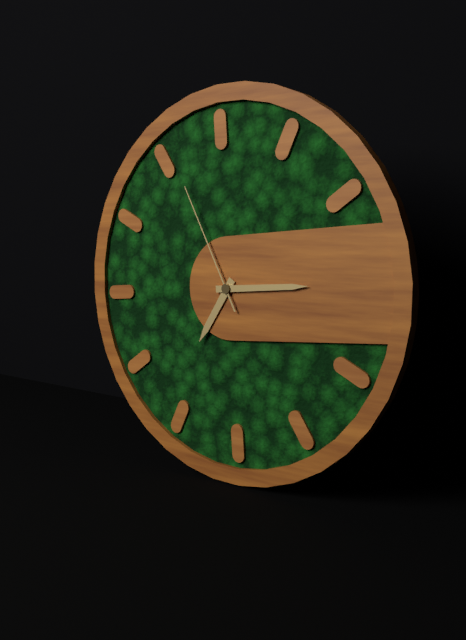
7:15:56
